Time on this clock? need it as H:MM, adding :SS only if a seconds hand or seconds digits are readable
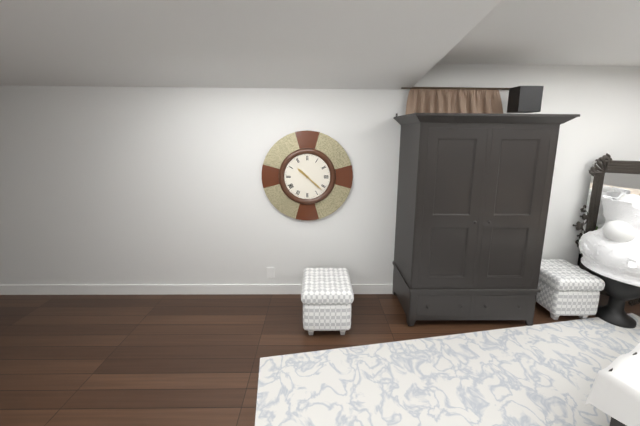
10:22
